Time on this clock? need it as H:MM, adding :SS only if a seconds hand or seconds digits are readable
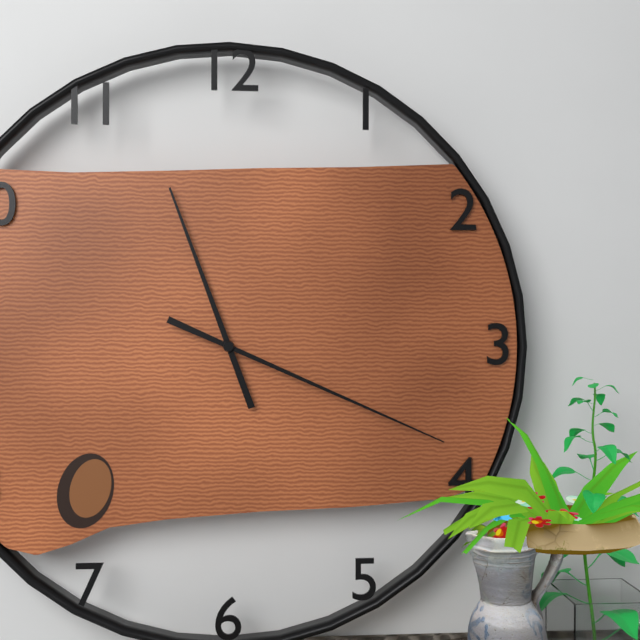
11:19
